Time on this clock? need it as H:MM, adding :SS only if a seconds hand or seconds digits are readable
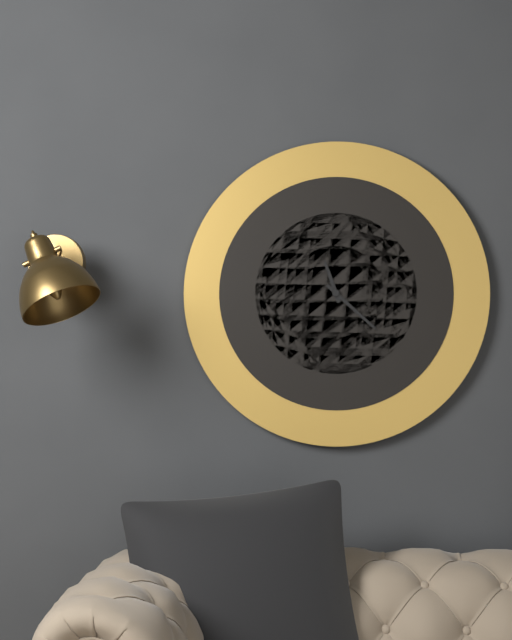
11:22
